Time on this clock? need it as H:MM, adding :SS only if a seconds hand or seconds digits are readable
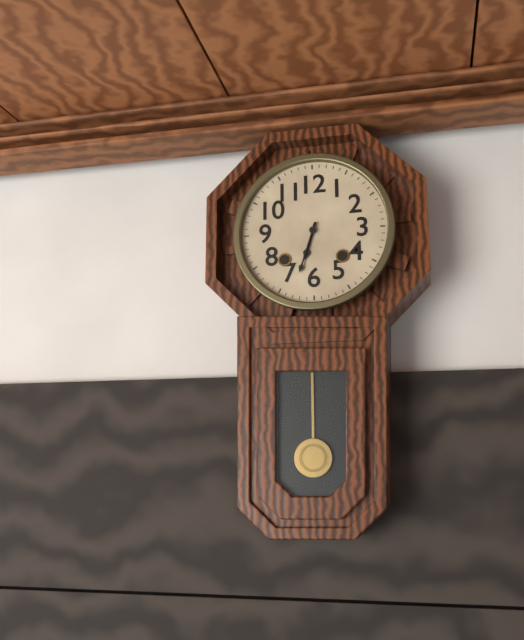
6:33
